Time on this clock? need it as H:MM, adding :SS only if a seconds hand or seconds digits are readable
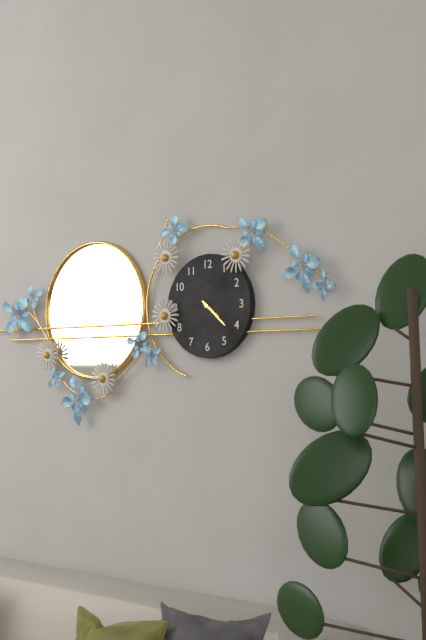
4:22
